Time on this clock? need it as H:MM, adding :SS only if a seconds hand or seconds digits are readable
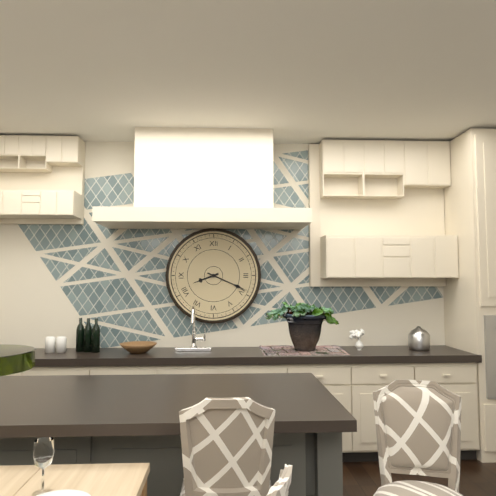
8:19
